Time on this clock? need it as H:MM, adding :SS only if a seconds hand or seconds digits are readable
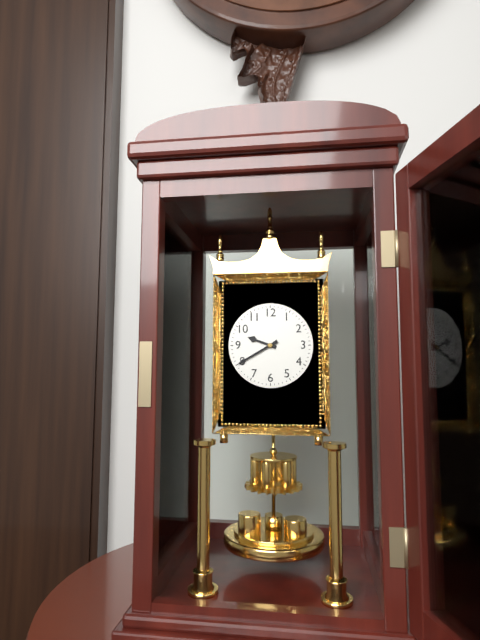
9:40
